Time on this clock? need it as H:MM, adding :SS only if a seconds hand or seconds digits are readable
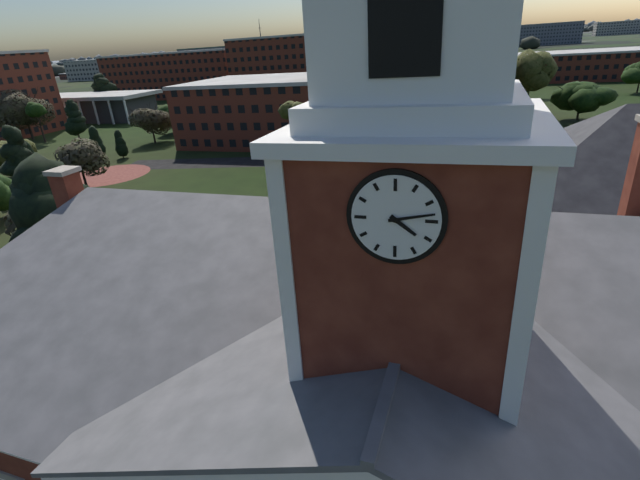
4:13
